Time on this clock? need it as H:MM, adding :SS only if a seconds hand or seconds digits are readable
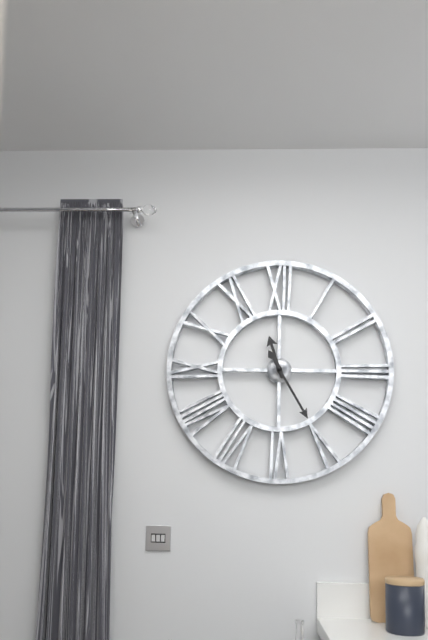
11:25
